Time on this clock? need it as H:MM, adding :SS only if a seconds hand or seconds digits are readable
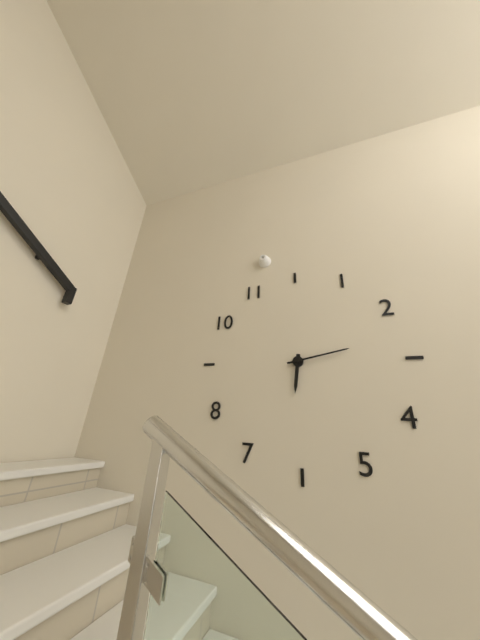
6:13
